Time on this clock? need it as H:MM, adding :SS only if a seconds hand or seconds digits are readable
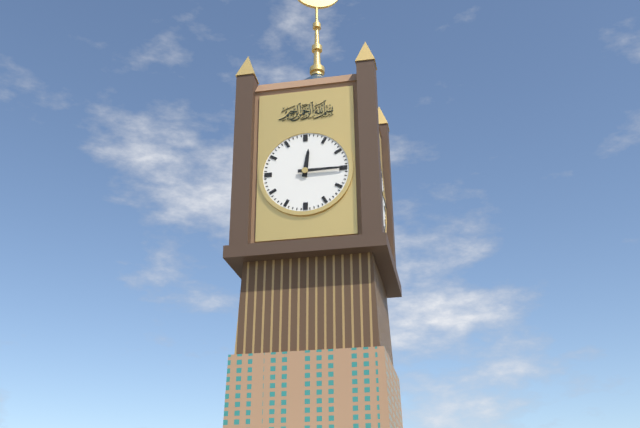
12:15
